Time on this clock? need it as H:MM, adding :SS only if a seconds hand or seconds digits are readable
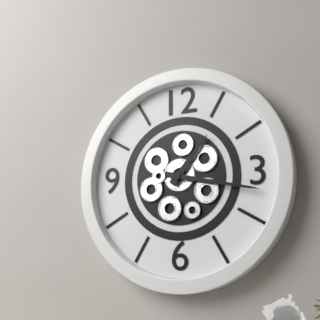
1:17
